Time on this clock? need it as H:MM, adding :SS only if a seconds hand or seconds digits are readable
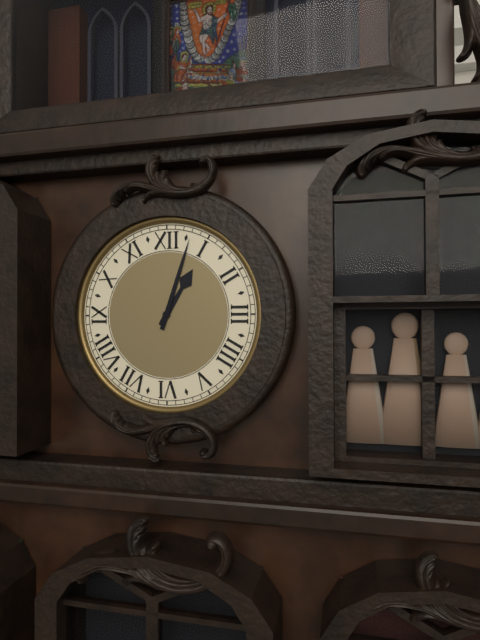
1:03
